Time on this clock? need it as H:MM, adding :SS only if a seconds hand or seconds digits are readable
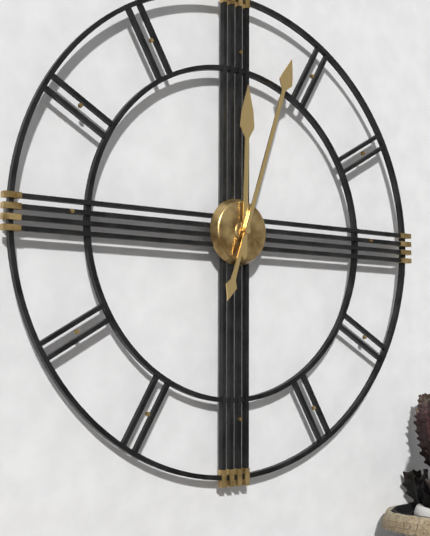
12:03
